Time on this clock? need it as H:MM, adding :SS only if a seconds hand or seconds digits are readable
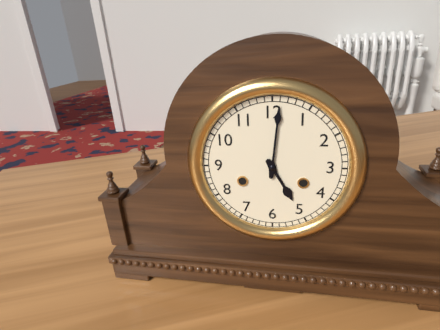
5:01
